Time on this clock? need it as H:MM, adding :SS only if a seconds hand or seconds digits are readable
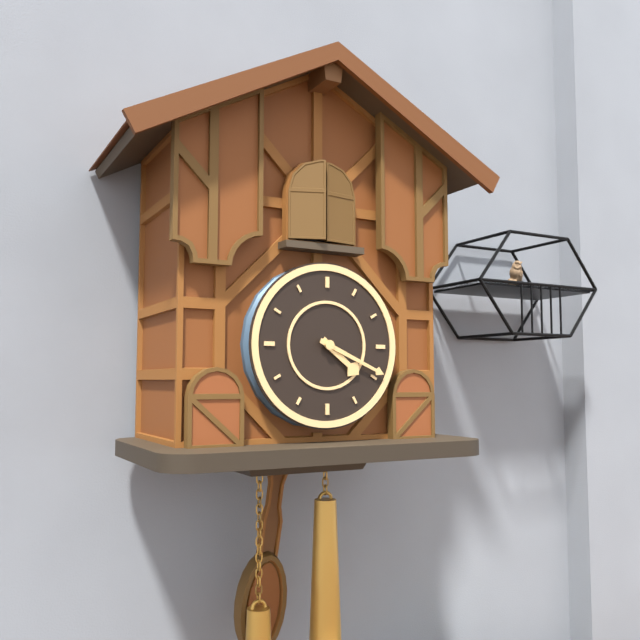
4:19
